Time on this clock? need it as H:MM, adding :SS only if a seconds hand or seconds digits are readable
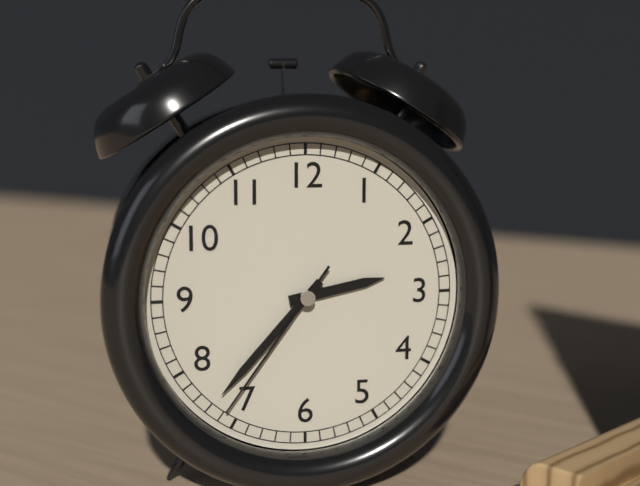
2:37:36
